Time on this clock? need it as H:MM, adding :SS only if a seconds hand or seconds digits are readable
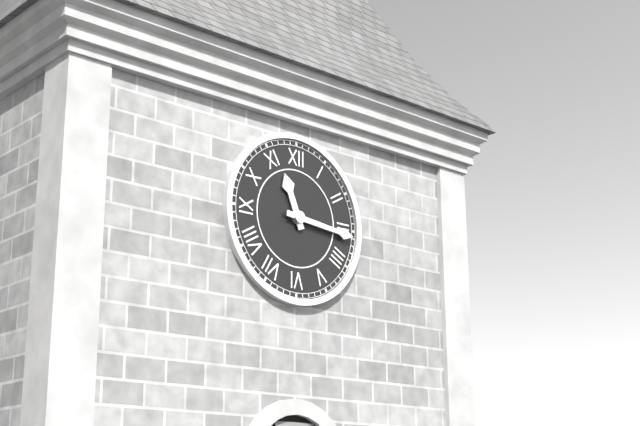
11:16
